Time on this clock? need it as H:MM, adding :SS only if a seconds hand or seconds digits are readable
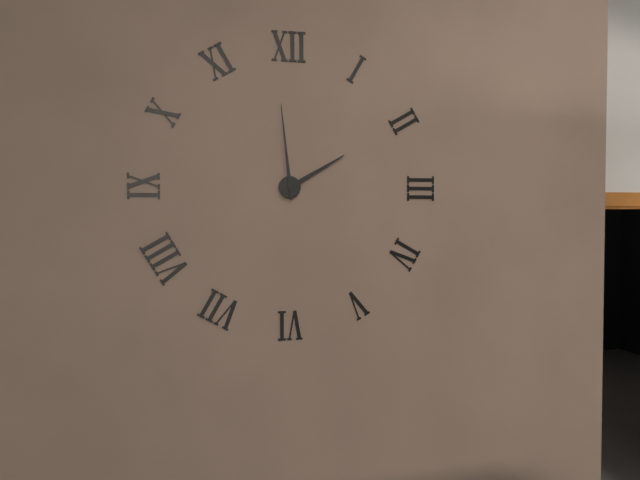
1:59
